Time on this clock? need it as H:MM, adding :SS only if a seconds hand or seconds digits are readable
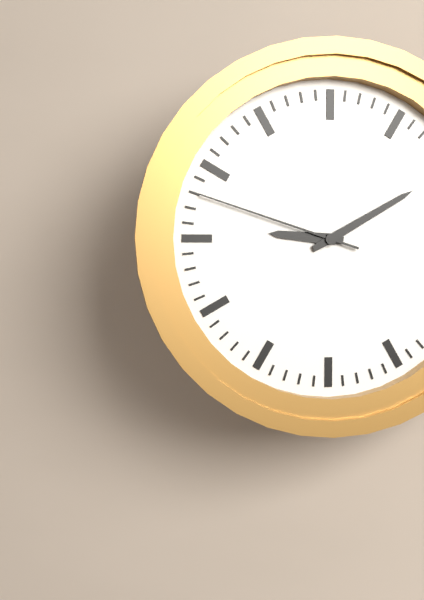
9:10:48
